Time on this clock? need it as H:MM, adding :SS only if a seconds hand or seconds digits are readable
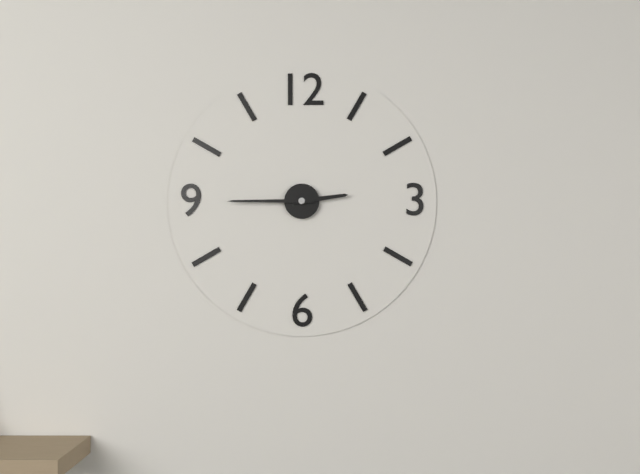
2:45
